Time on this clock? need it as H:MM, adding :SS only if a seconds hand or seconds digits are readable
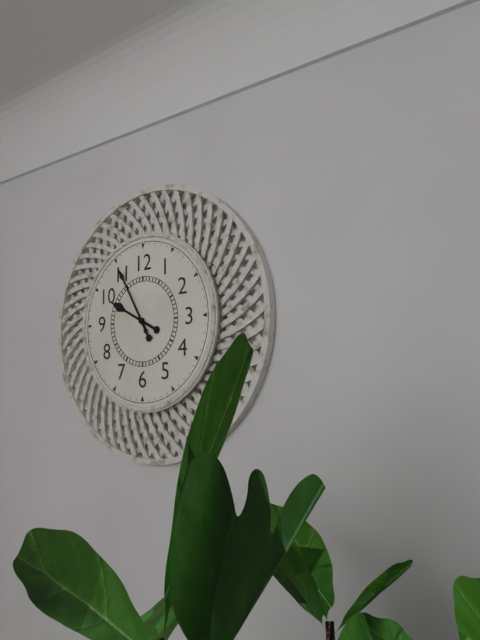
9:55
